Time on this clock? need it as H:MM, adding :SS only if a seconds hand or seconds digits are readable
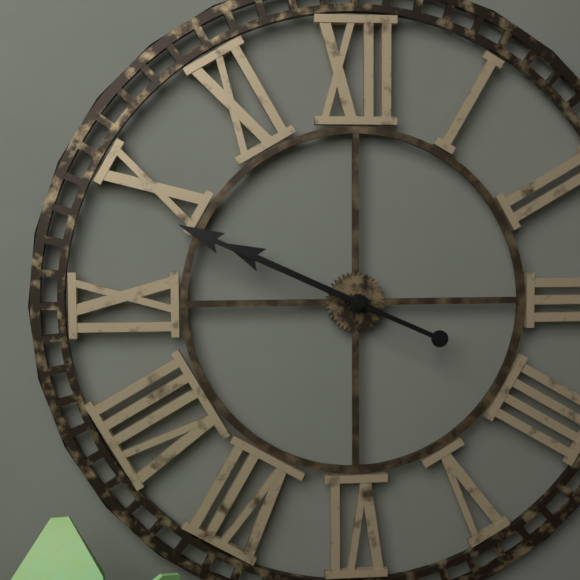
9:49
